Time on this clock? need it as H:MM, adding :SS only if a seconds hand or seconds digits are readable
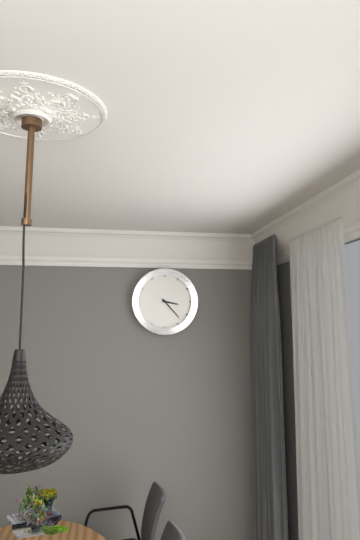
3:23
